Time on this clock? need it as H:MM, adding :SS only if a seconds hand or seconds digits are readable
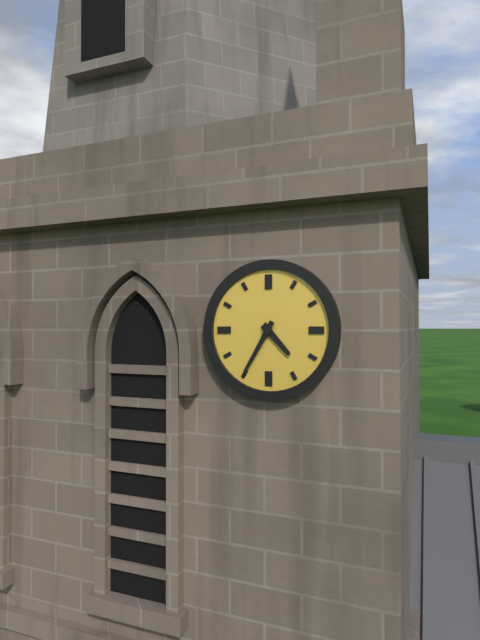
4:35
